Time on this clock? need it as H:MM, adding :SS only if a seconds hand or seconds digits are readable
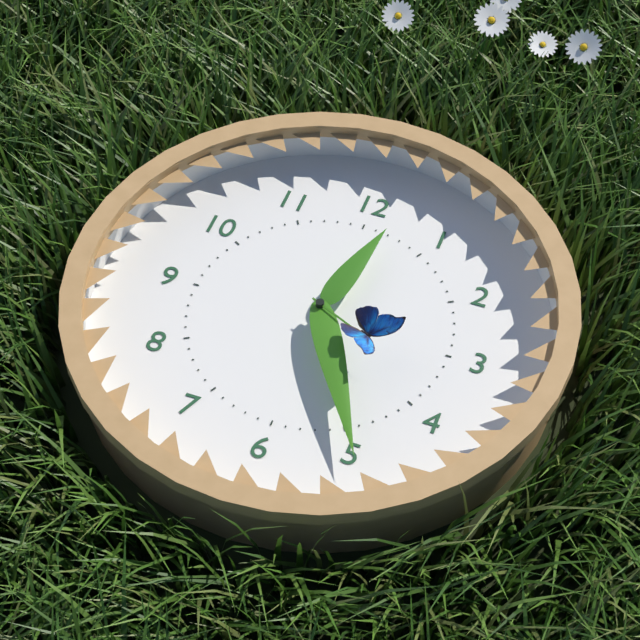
12:25:19
